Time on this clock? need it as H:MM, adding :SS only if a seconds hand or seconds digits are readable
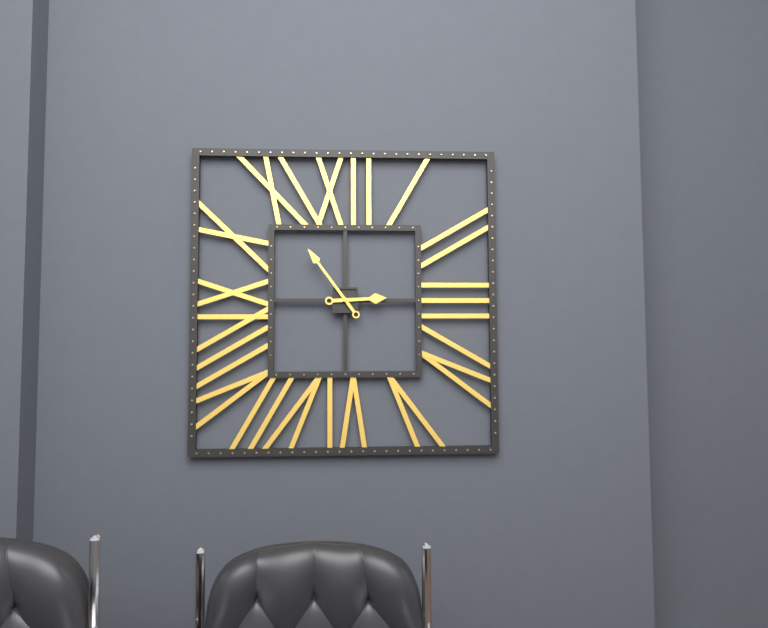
2:54
